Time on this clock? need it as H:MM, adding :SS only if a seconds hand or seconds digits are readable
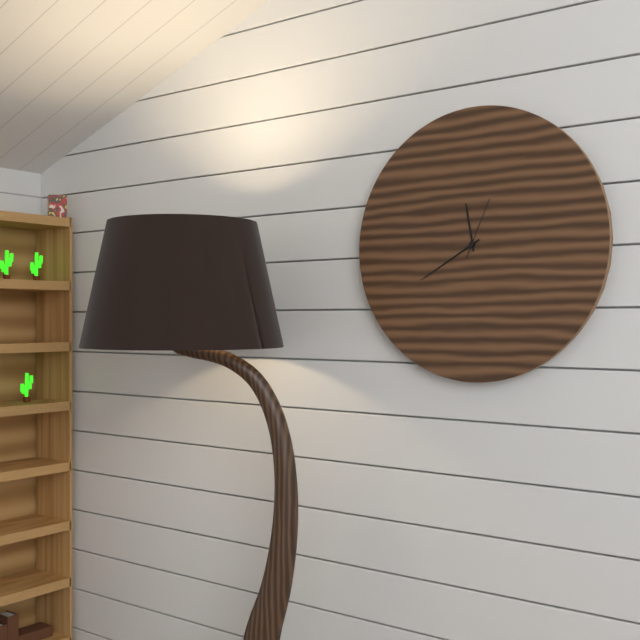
11:40:04
